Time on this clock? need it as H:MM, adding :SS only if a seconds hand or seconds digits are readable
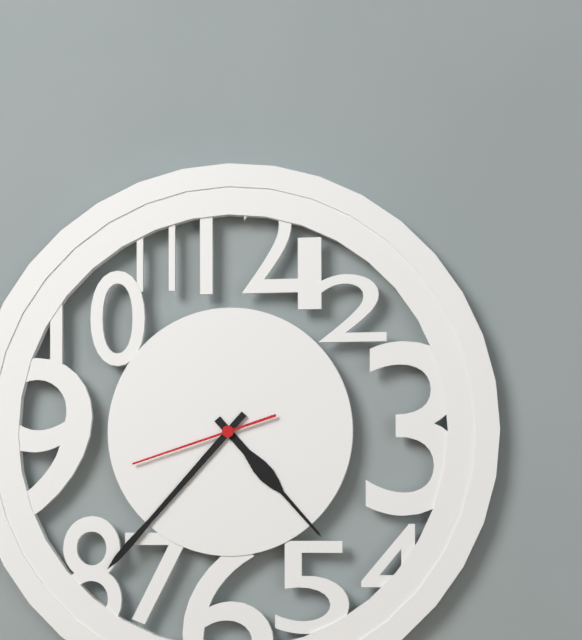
4:37:42
